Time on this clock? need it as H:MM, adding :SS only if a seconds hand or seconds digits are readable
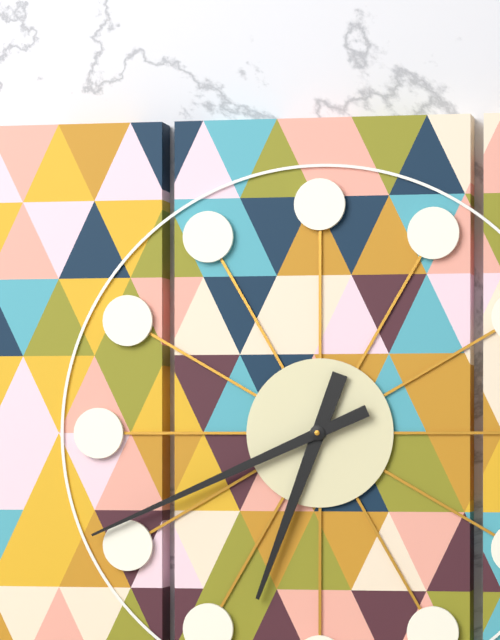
6:41
